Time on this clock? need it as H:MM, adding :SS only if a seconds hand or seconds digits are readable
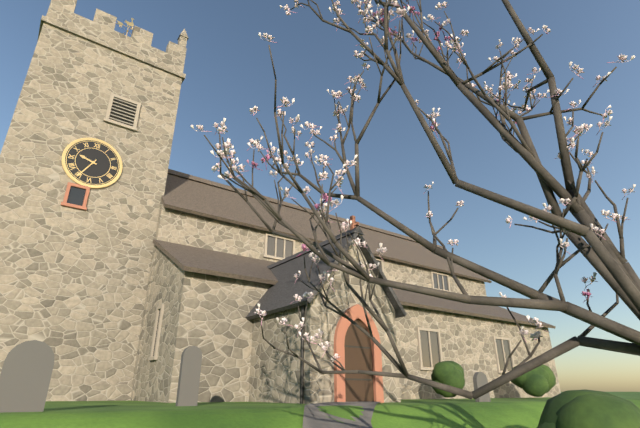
9:35
